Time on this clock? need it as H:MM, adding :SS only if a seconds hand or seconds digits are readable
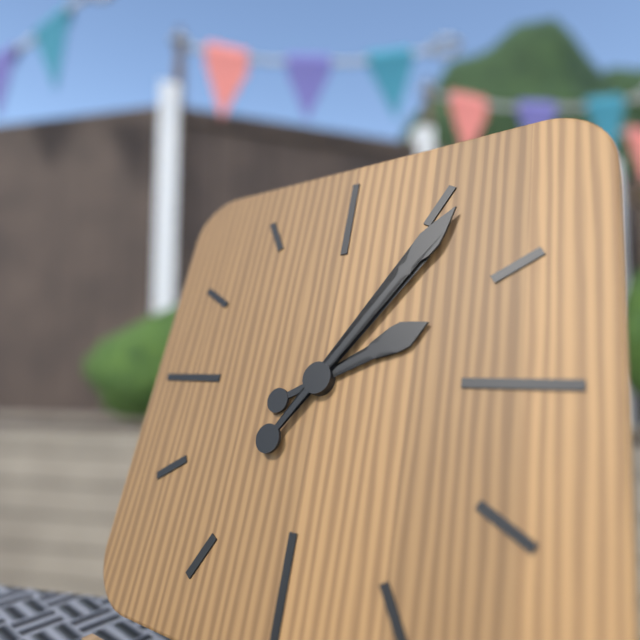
2:06
